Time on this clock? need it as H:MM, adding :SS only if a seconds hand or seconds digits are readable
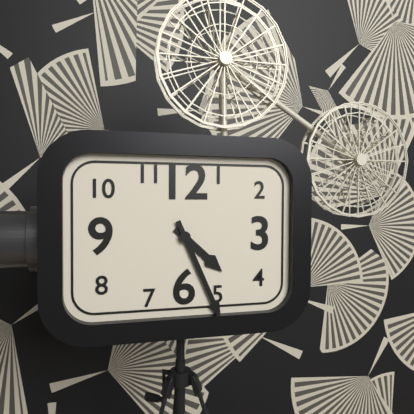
4:26
